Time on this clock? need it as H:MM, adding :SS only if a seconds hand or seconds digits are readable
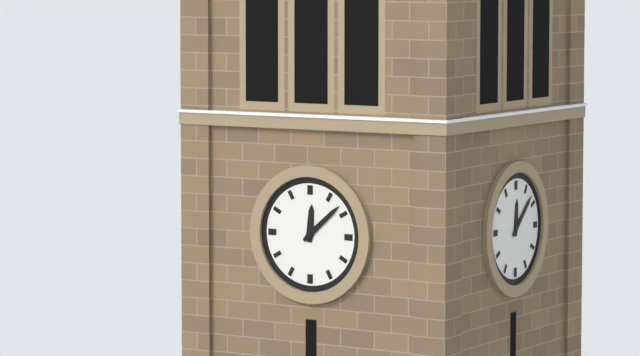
12:08
